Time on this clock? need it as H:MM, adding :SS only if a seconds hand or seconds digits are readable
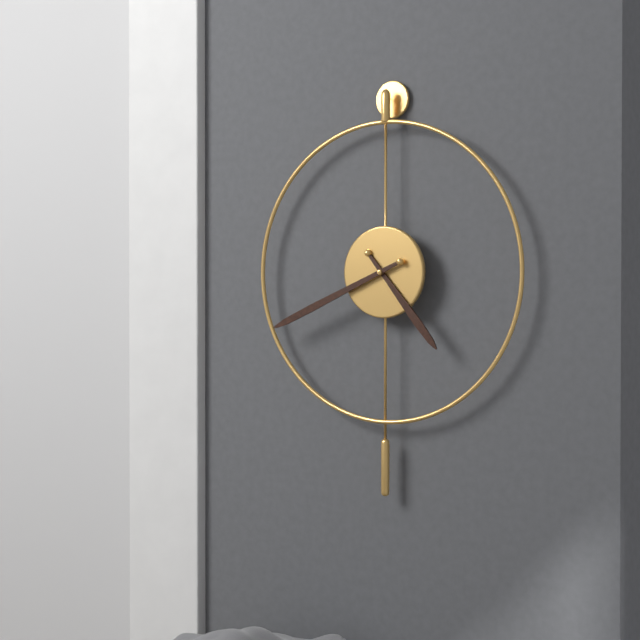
4:41
